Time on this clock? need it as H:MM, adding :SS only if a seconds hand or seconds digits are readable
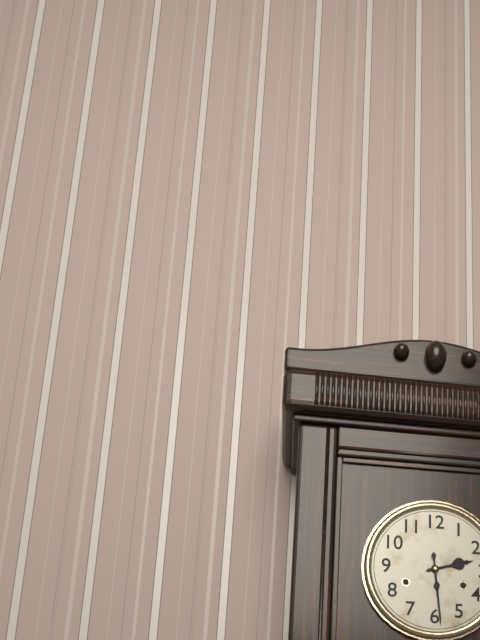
2:29
